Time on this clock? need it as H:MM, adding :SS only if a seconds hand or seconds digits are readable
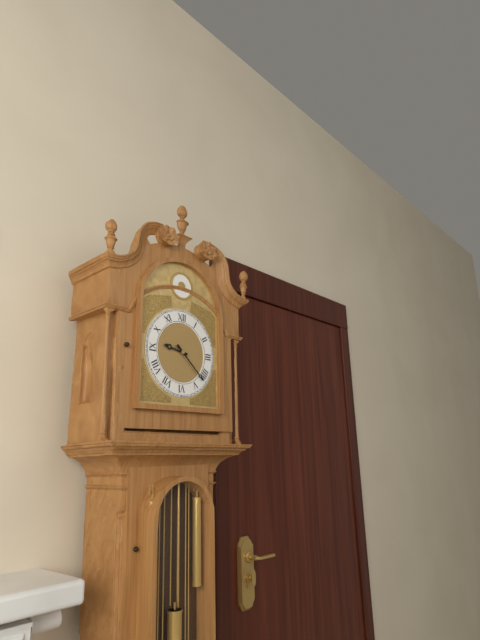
9:22
